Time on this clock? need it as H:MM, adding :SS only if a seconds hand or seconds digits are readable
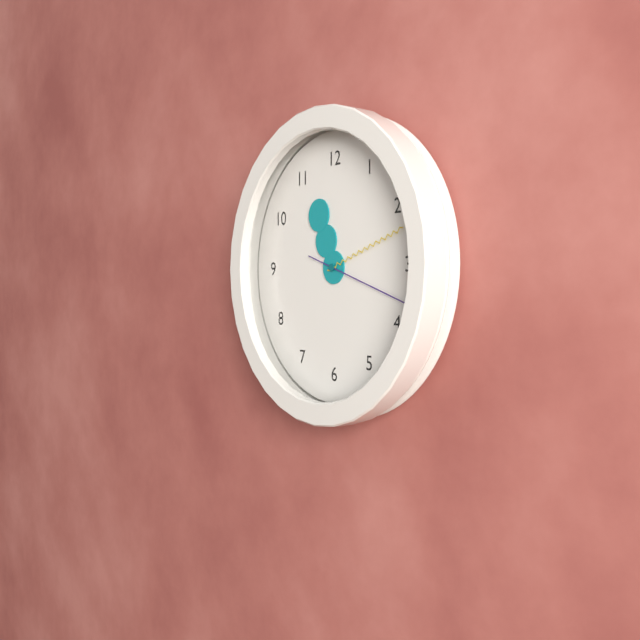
11:12:18
